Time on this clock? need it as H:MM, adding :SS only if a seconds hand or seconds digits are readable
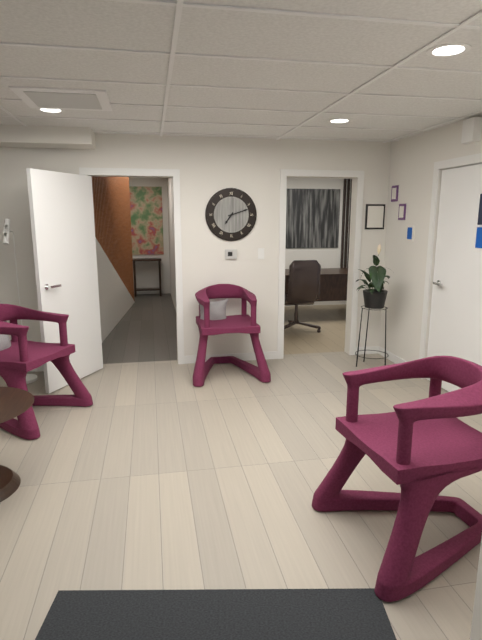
7:12
